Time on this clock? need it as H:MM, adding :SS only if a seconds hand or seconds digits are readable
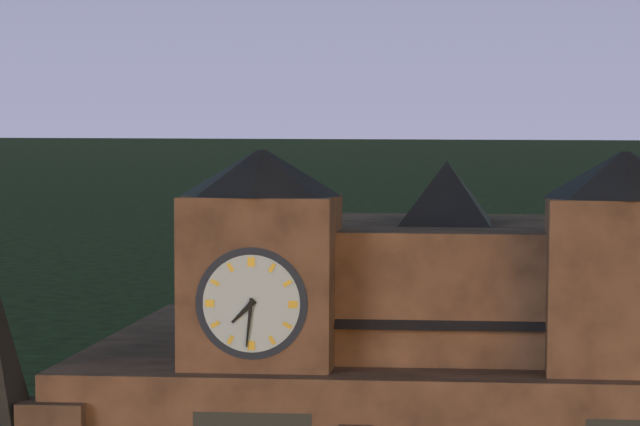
7:31
